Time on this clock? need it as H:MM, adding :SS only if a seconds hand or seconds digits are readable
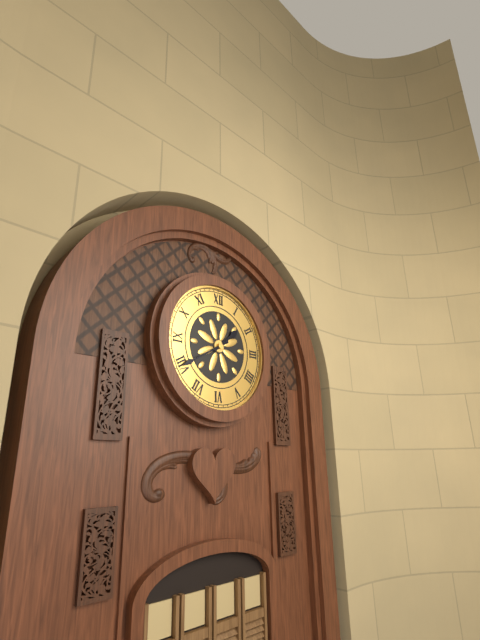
1:40
